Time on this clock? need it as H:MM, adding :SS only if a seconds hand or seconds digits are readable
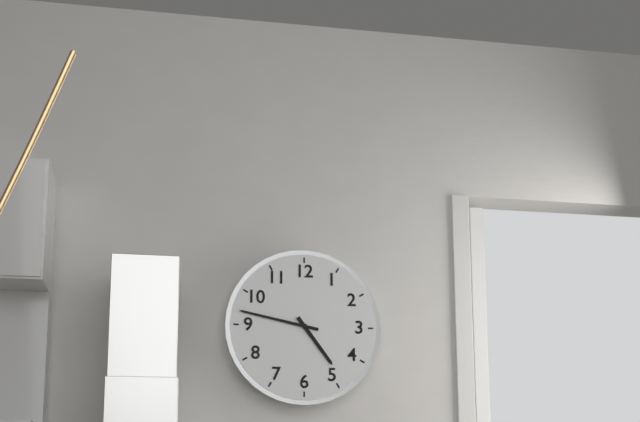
4:47
